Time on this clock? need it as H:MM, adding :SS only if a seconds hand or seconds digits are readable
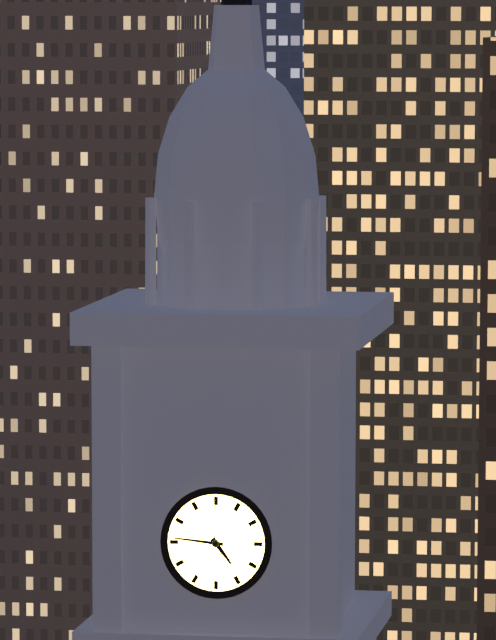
4:46
